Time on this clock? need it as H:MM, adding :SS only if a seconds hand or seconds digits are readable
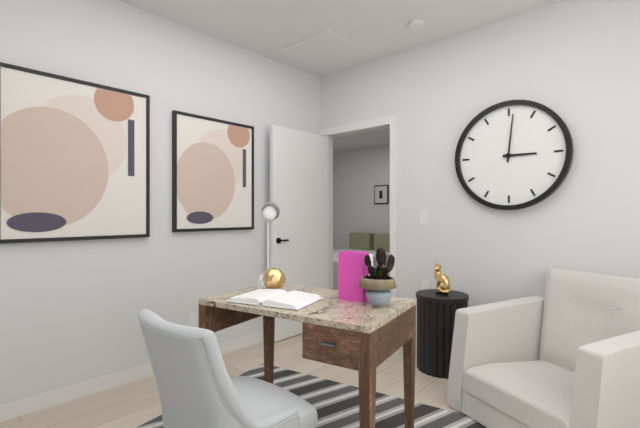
3:01
